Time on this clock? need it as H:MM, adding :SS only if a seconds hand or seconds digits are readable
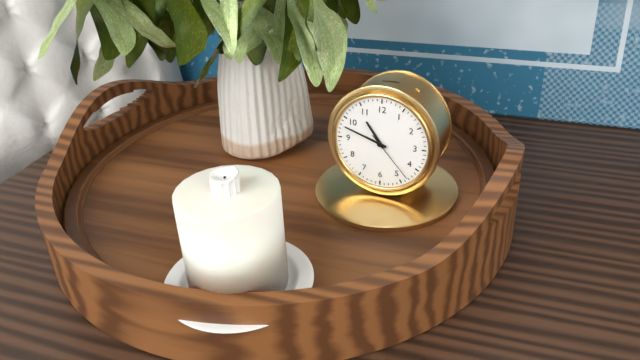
10:48:23
